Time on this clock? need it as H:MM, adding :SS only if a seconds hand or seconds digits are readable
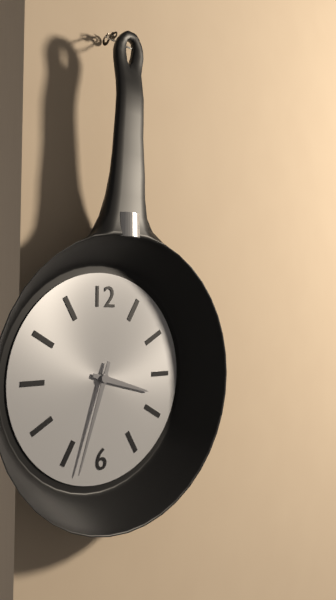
3:33
